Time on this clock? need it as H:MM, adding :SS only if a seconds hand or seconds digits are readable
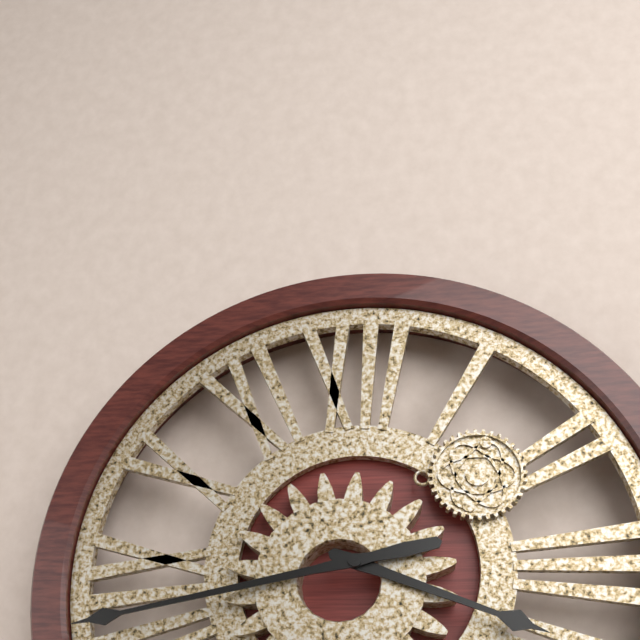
3:43
